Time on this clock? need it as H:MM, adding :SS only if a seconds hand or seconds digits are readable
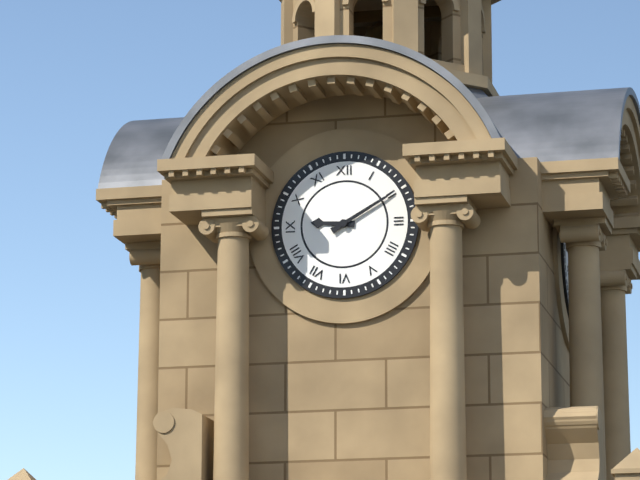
9:10
